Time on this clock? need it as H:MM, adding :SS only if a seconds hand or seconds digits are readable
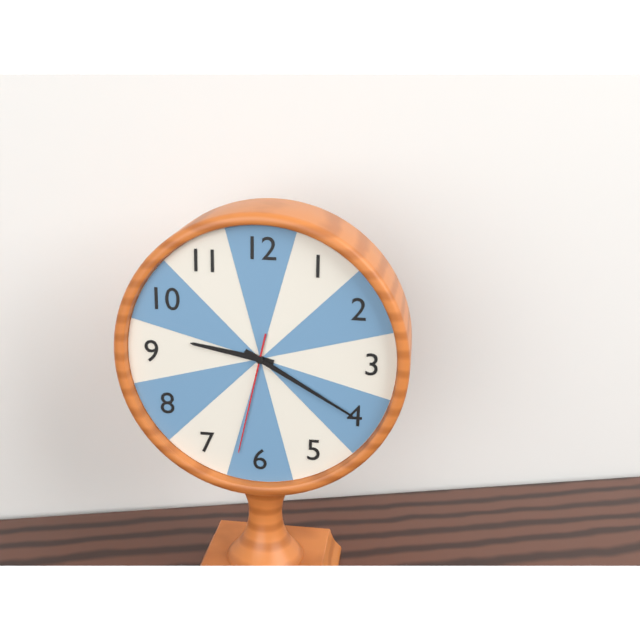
9:20:32
